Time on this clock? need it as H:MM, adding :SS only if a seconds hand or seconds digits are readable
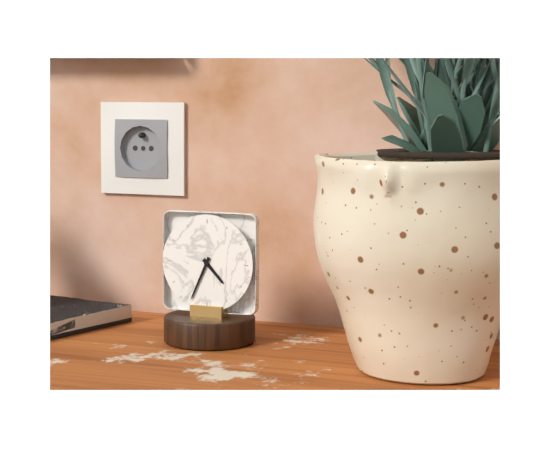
4:34
